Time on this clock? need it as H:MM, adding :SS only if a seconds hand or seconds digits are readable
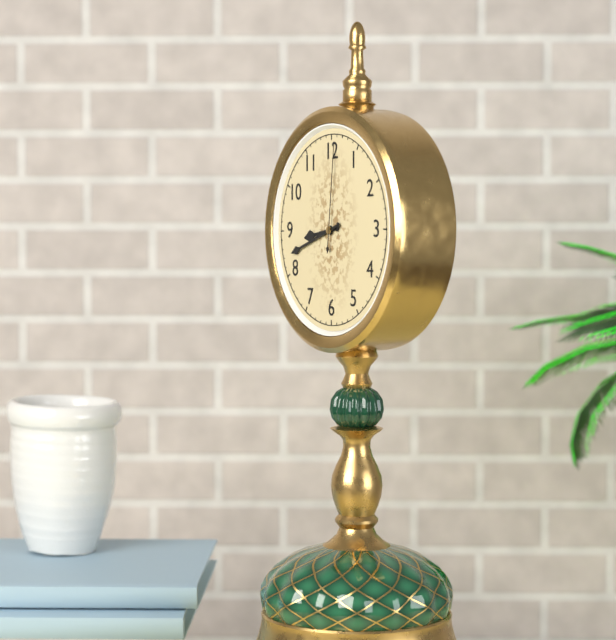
8:42:01
